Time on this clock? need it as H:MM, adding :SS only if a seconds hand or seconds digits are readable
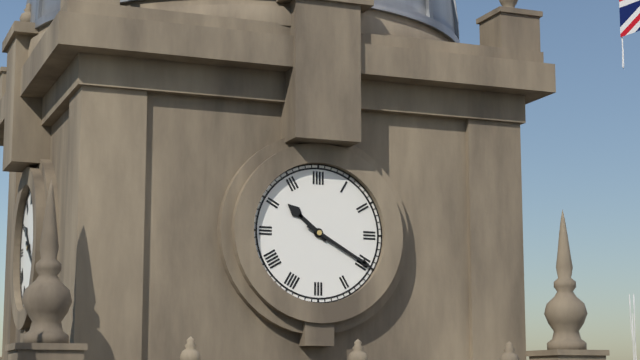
10:20
